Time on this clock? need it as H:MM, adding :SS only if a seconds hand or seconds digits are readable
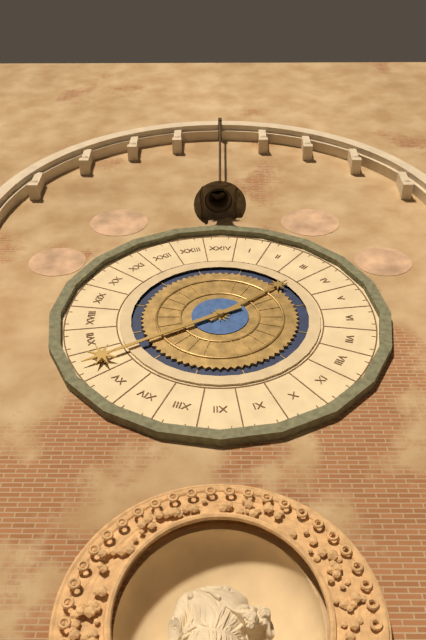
1:40
